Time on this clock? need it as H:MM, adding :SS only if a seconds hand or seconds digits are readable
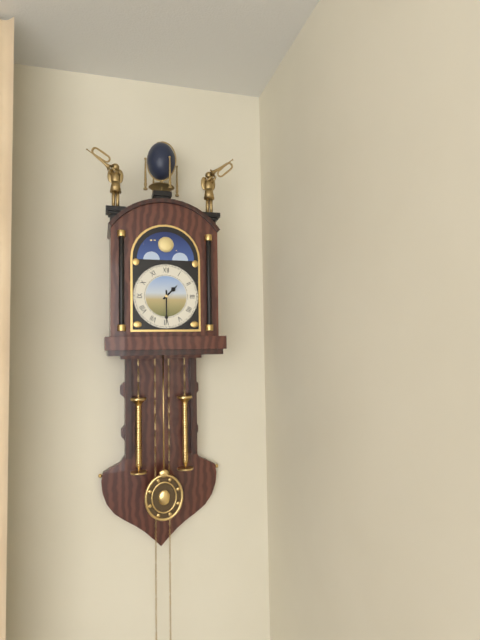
1:30
